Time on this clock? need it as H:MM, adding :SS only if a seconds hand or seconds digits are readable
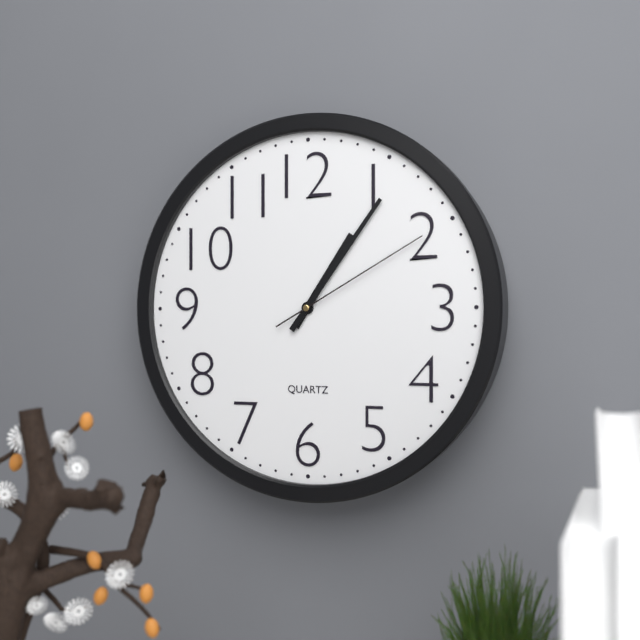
1:06:10
